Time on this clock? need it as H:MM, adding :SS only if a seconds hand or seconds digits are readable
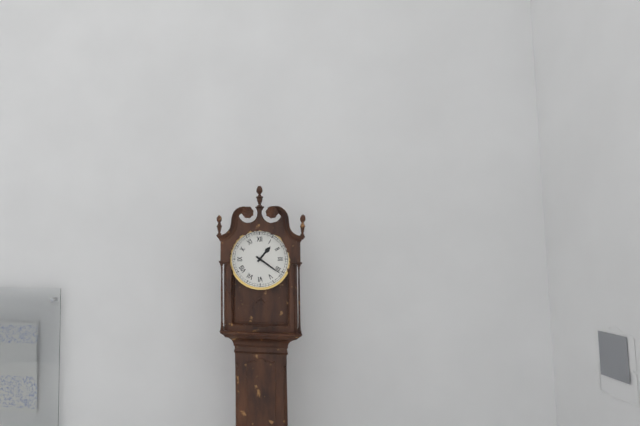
1:21
